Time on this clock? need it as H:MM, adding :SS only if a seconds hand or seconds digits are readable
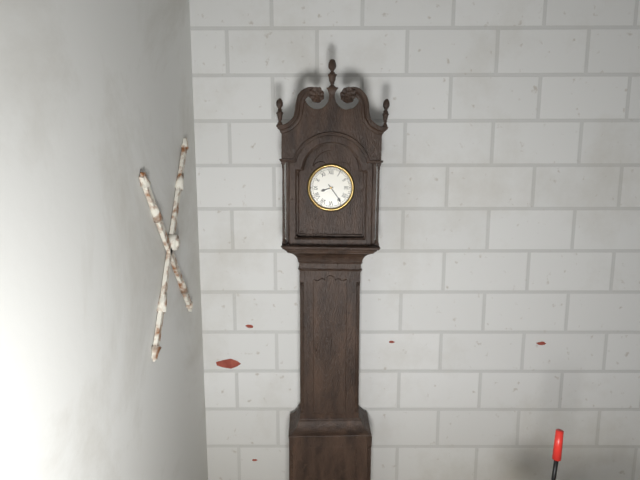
8:24
